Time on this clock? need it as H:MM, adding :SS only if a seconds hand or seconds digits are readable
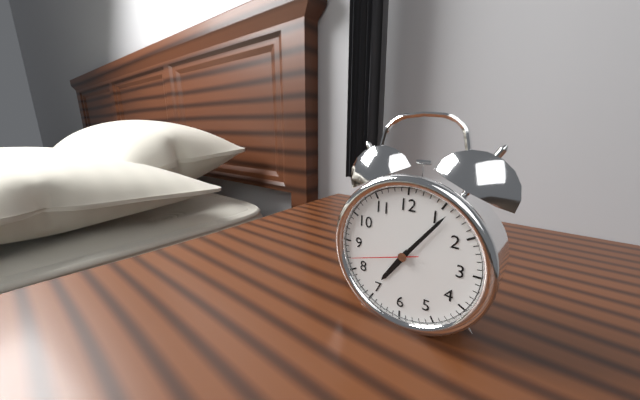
7:06:42
